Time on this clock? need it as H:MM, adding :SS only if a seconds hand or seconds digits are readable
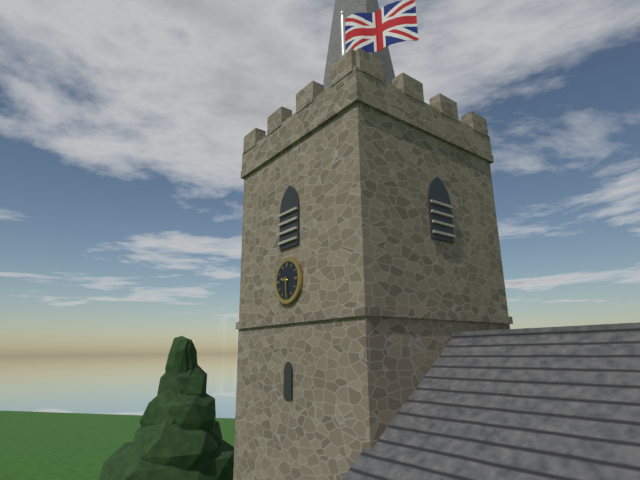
9:29
